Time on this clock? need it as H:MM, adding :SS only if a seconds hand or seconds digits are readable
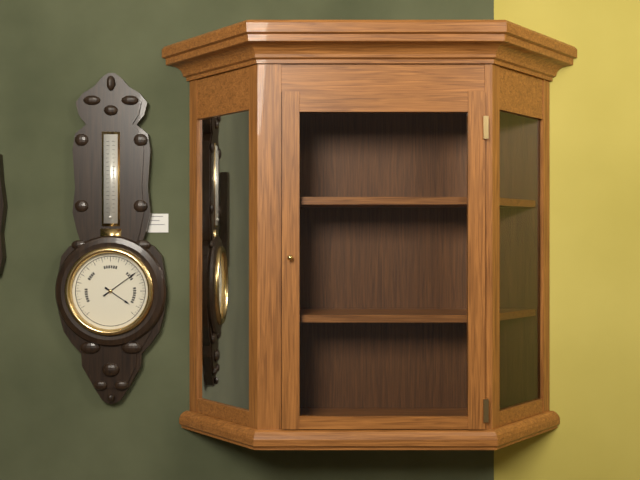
4:09
